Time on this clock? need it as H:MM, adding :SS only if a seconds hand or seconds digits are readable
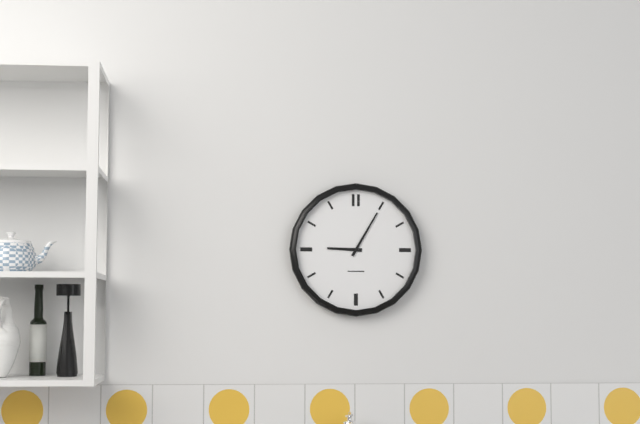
9:05
